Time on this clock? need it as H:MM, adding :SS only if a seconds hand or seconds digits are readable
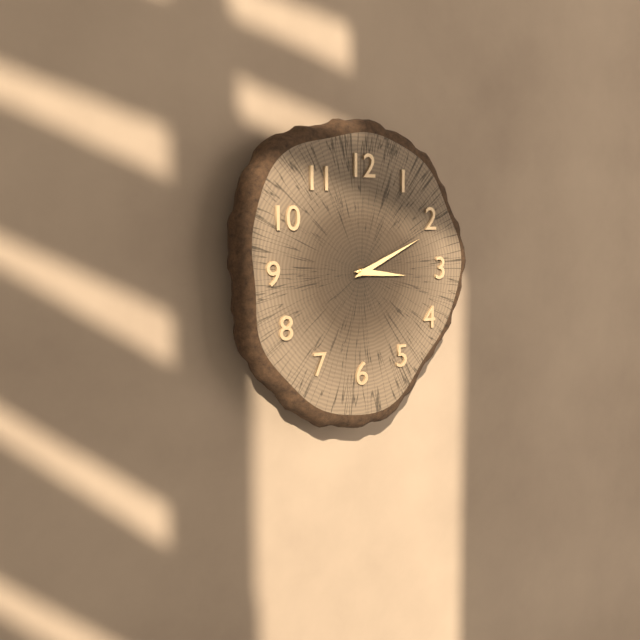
3:11
